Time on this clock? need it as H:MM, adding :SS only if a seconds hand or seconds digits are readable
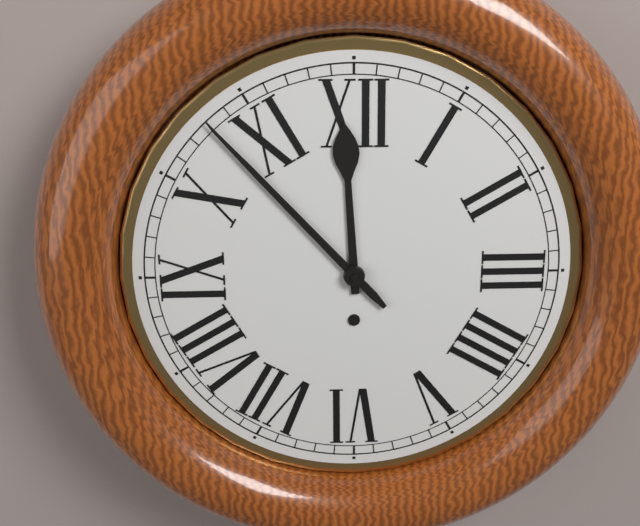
11:53
